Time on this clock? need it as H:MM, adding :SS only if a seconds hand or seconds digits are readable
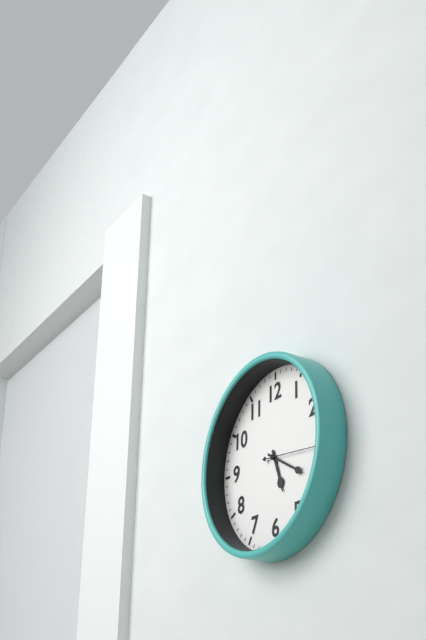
5:20
